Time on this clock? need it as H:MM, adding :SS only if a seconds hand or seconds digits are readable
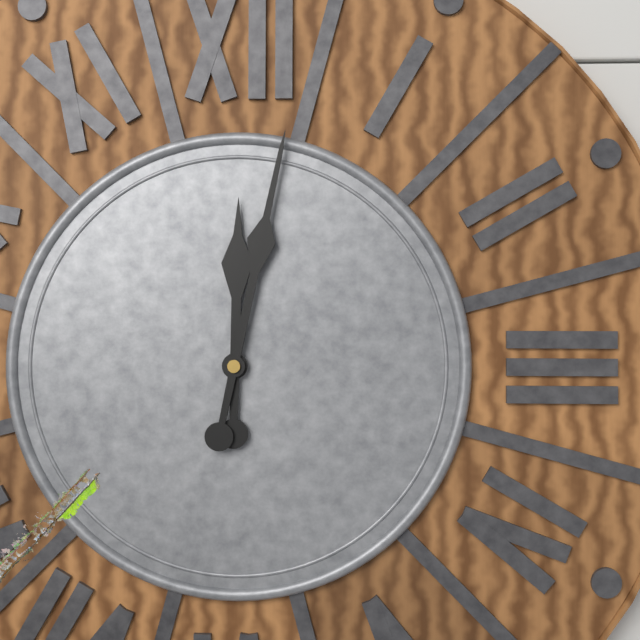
12:02
